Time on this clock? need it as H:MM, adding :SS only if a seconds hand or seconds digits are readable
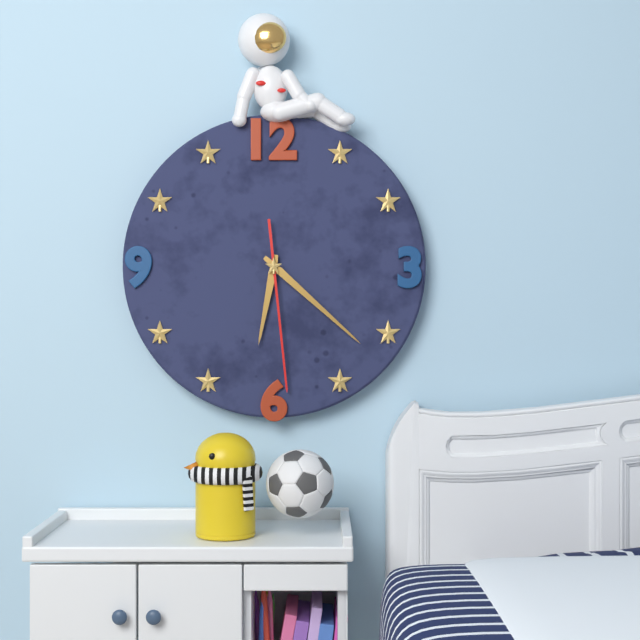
6:22:29
